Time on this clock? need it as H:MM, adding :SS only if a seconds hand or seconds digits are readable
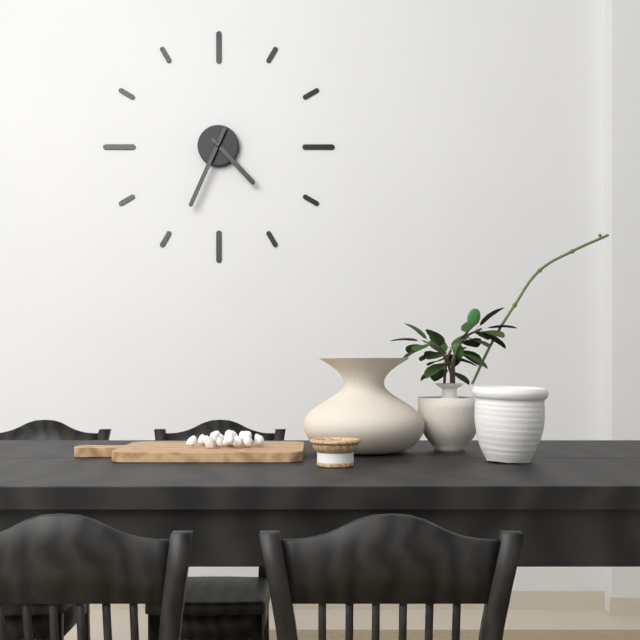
4:34
